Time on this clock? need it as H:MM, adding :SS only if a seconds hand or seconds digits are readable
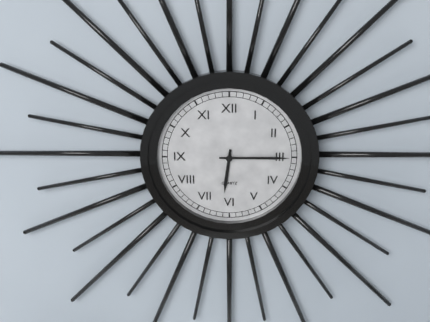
6:15
